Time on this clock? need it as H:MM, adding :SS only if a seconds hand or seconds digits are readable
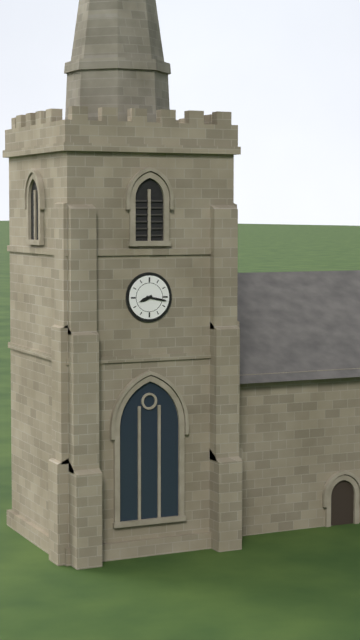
8:17
